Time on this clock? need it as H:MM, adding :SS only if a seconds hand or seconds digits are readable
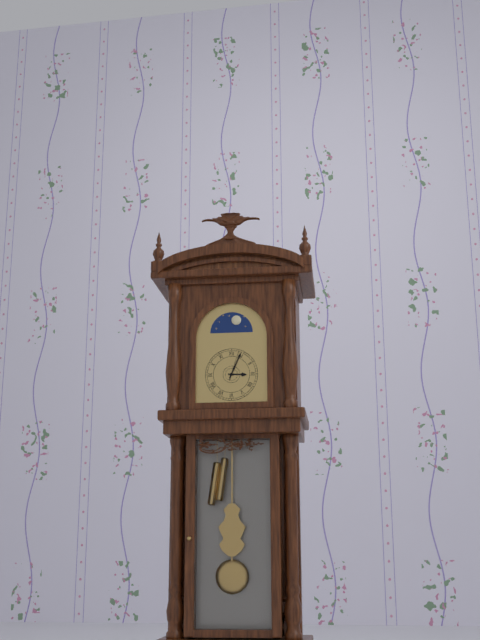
3:04
